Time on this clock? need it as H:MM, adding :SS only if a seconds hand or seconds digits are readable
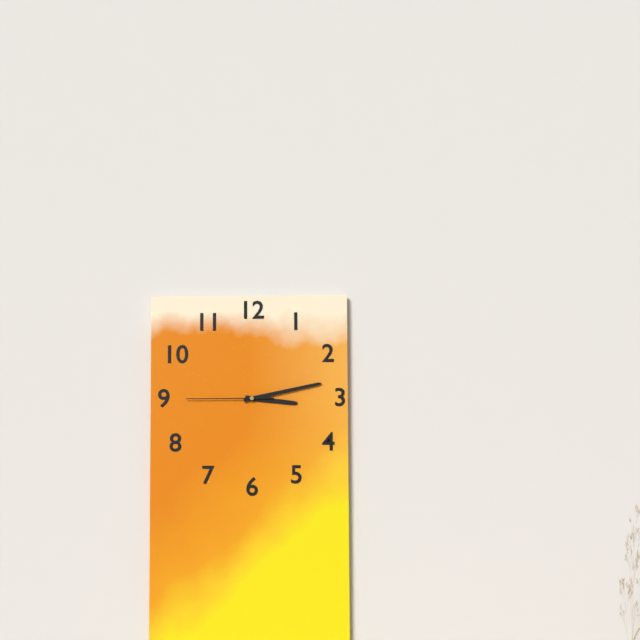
3:13:45
